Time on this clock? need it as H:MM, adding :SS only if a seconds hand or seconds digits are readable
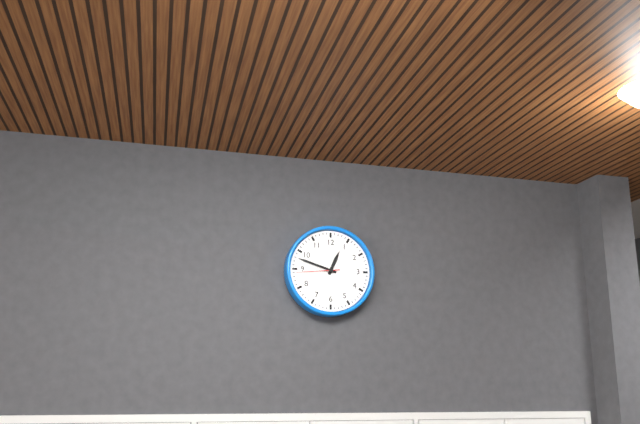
12:48
